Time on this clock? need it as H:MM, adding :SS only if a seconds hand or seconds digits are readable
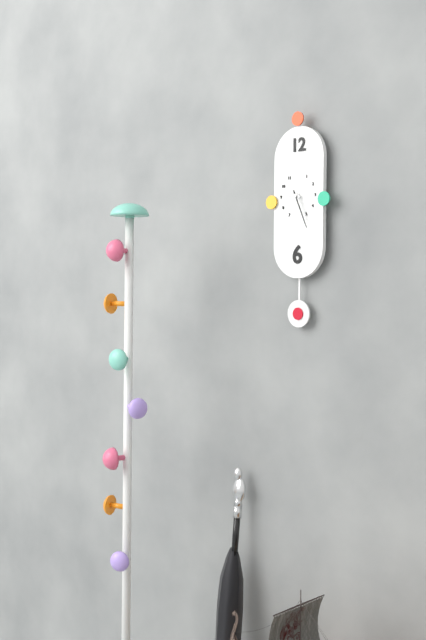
9:26
